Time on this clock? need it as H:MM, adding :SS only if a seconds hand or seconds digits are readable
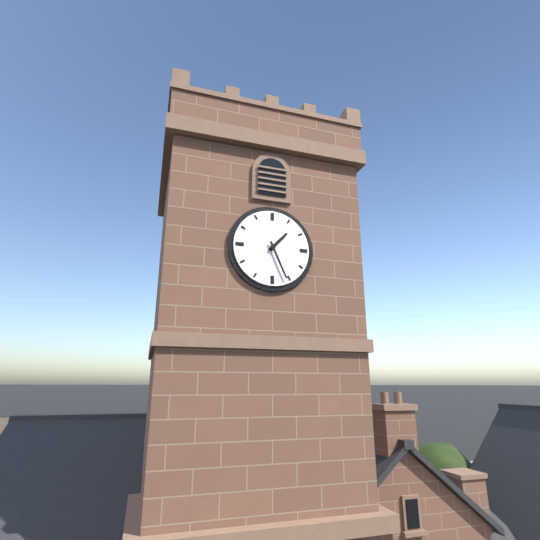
1:26
